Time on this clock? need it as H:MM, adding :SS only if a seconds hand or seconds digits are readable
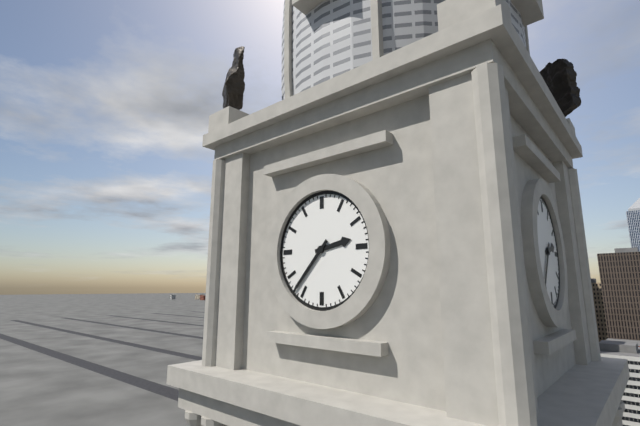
2:37
